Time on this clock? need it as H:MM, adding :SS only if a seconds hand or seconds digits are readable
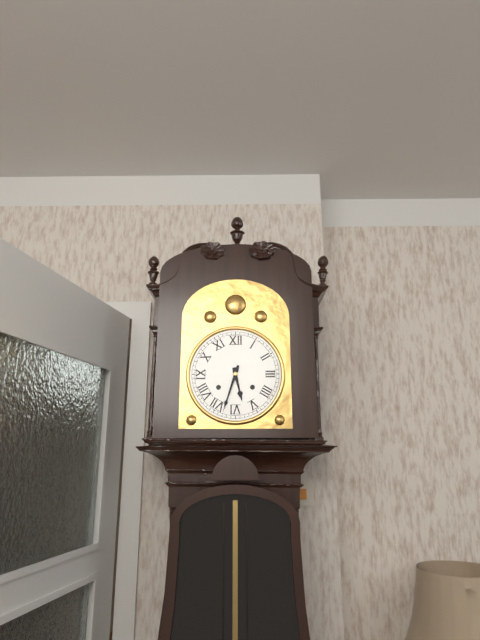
5:33
